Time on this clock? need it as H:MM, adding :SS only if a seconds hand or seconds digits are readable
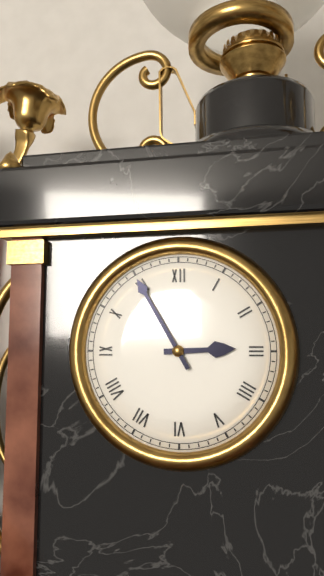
2:55
